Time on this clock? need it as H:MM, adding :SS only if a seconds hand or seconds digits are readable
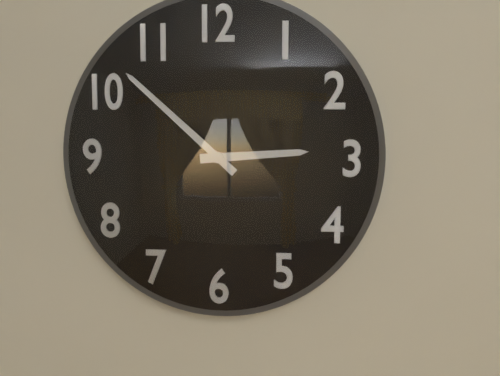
2:52
